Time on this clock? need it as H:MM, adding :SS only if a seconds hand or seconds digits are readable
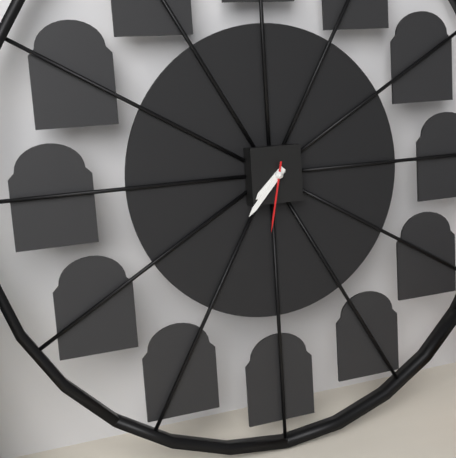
7:37:32
